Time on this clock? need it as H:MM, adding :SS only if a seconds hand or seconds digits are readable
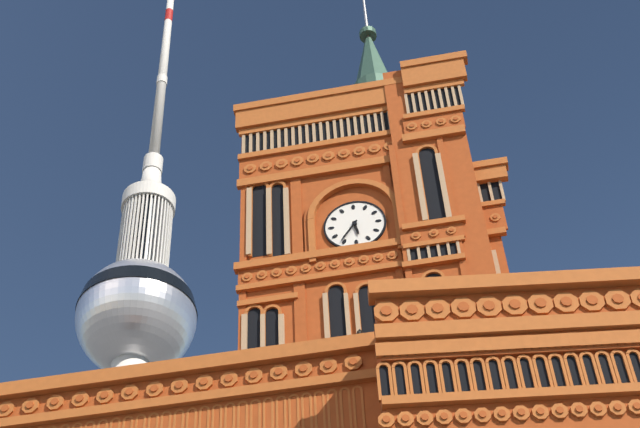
5:36
